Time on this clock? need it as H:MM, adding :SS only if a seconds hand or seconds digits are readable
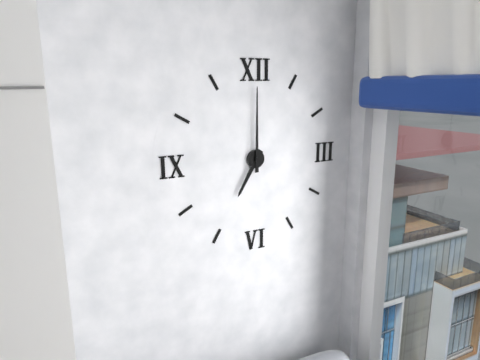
7:00
